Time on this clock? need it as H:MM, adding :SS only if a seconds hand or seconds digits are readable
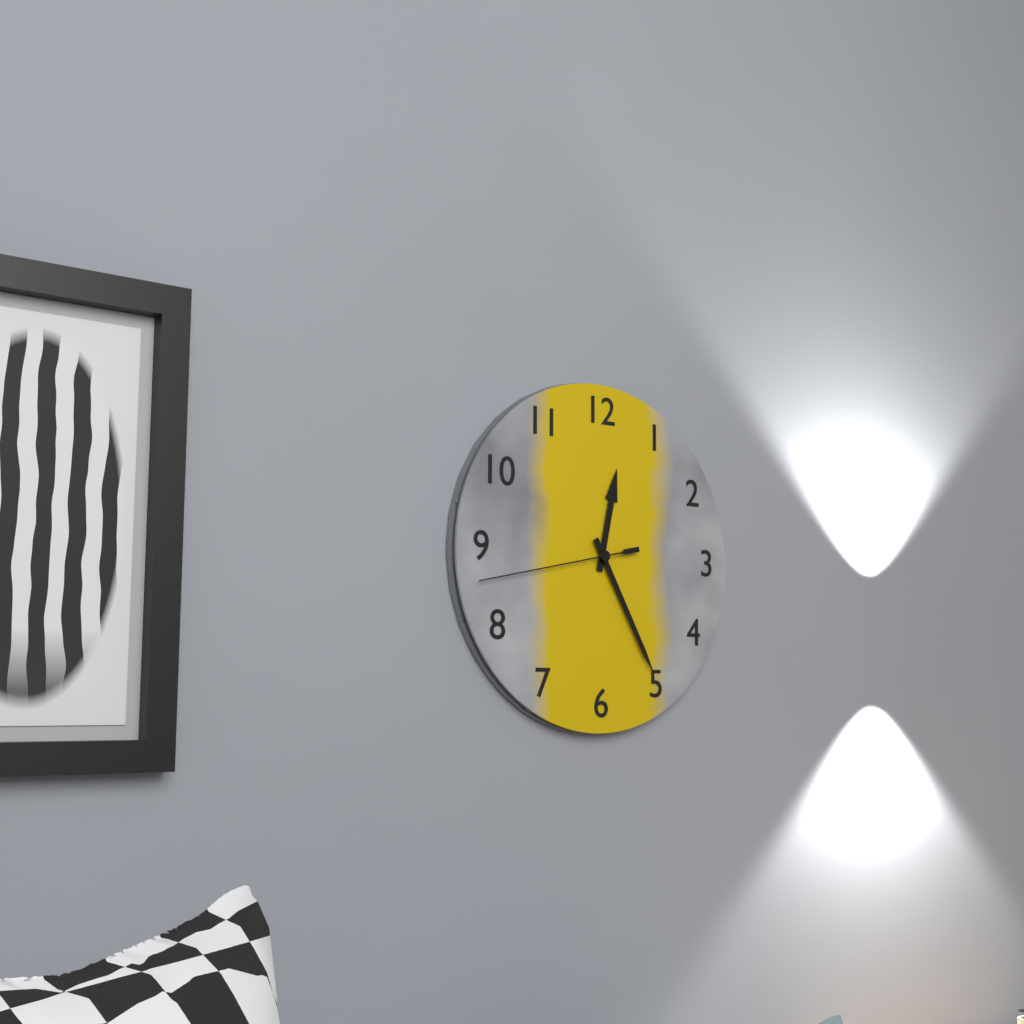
12:25:43
